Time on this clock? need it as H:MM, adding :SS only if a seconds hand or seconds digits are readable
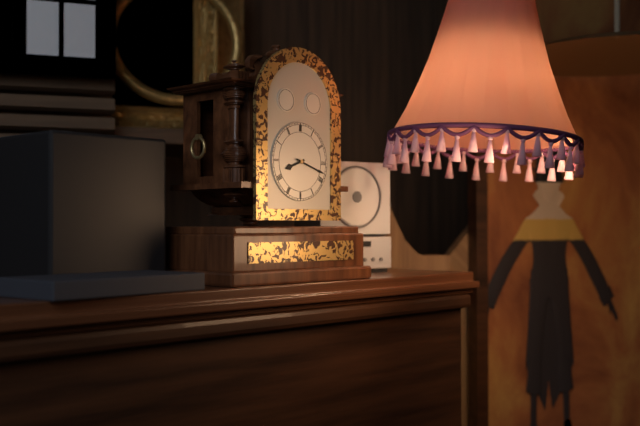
8:18
